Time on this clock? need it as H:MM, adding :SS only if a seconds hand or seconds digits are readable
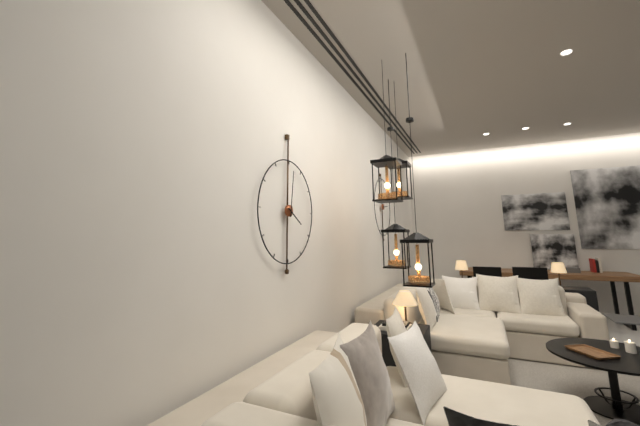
4:01
